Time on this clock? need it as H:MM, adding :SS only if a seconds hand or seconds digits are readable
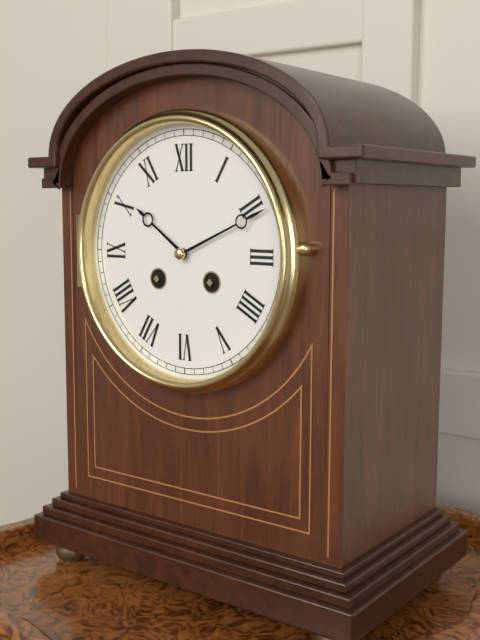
10:11
